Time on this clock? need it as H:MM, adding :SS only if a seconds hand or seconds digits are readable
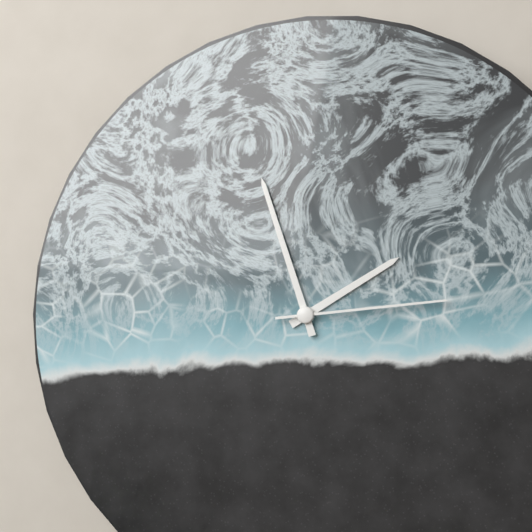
1:57:14
